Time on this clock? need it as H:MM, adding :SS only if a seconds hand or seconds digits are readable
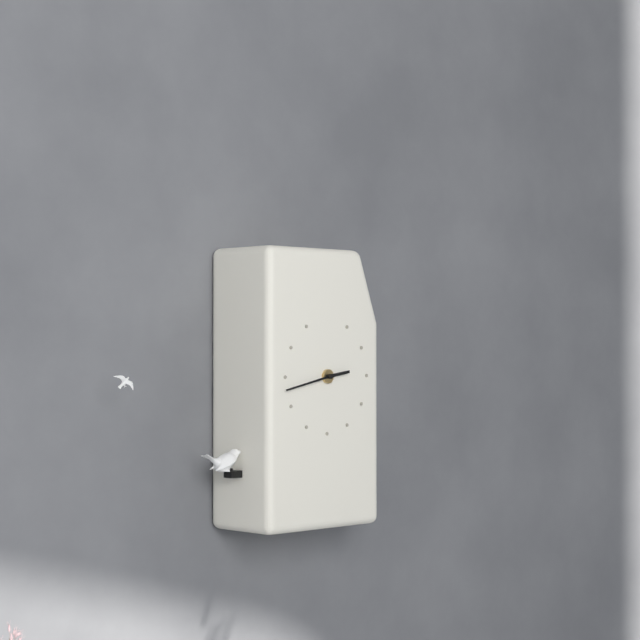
2:43
